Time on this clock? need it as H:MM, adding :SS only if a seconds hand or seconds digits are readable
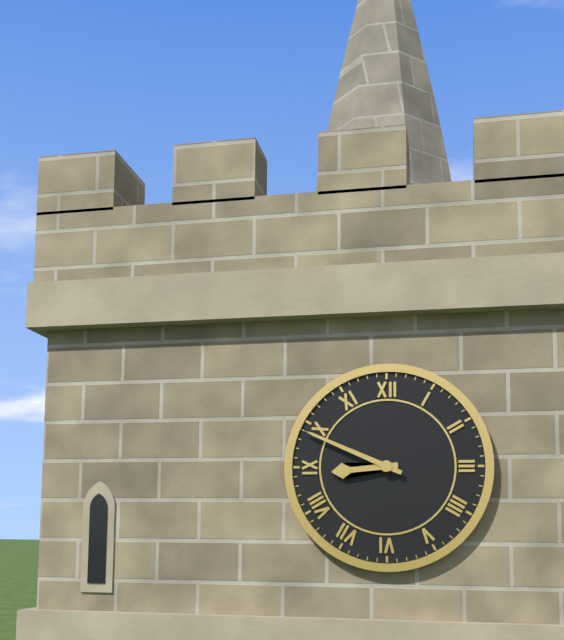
8:49
